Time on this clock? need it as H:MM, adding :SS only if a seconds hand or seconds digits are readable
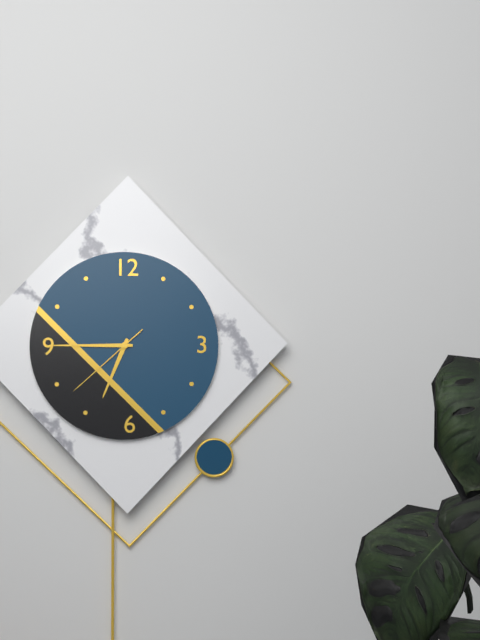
6:45:38
